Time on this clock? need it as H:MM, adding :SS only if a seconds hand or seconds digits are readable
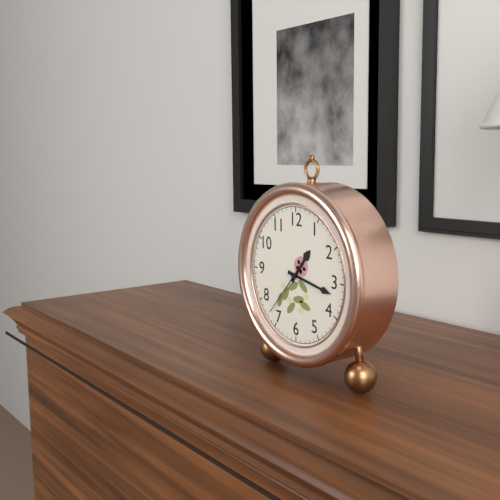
1:17:37
